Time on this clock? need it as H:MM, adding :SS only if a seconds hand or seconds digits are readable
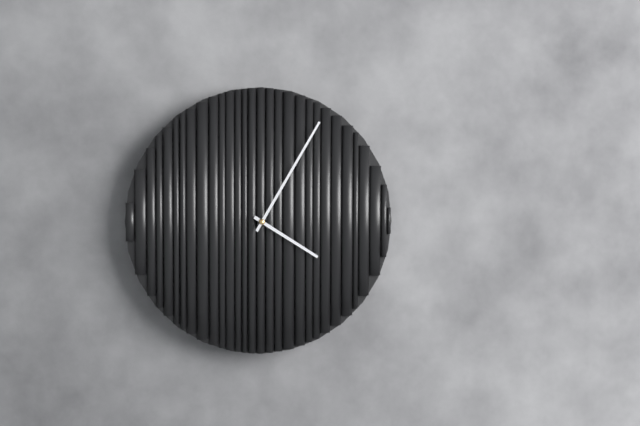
4:05
